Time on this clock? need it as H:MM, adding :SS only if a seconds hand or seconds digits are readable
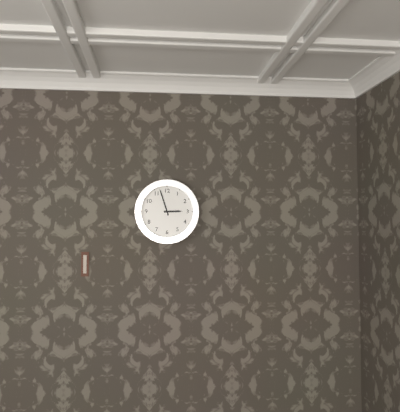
2:57
